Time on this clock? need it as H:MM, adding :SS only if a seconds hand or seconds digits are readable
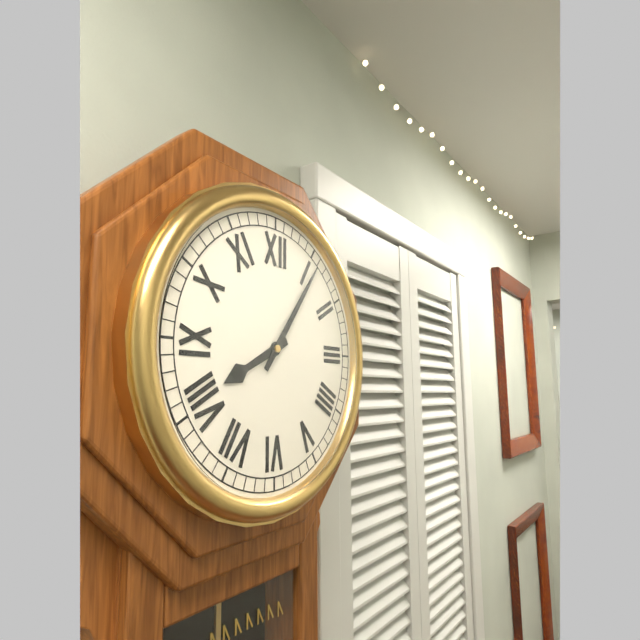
8:06
